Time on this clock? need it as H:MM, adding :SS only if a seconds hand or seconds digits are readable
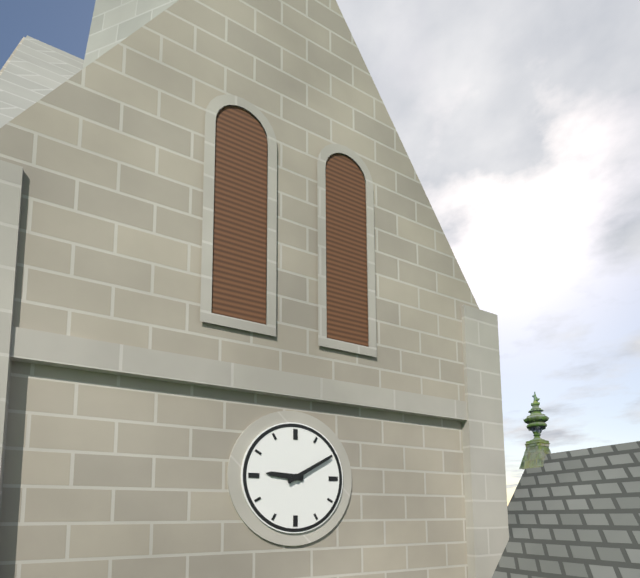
9:10
